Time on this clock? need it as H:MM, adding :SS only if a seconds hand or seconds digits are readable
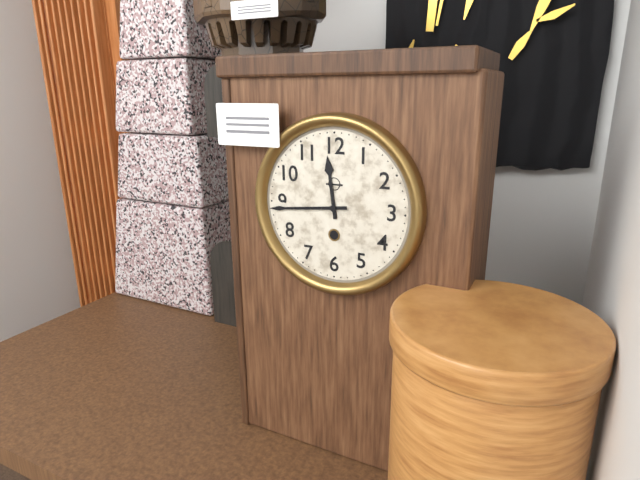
11:44
